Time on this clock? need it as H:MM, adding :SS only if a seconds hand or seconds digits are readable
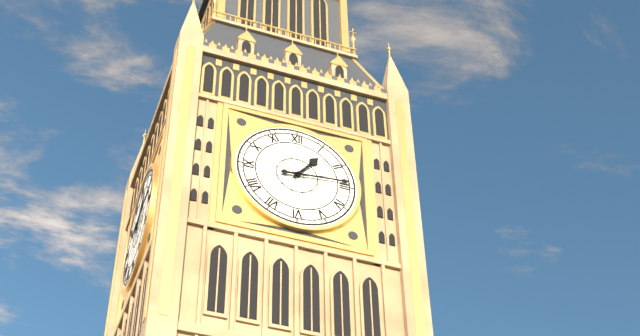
1:14
